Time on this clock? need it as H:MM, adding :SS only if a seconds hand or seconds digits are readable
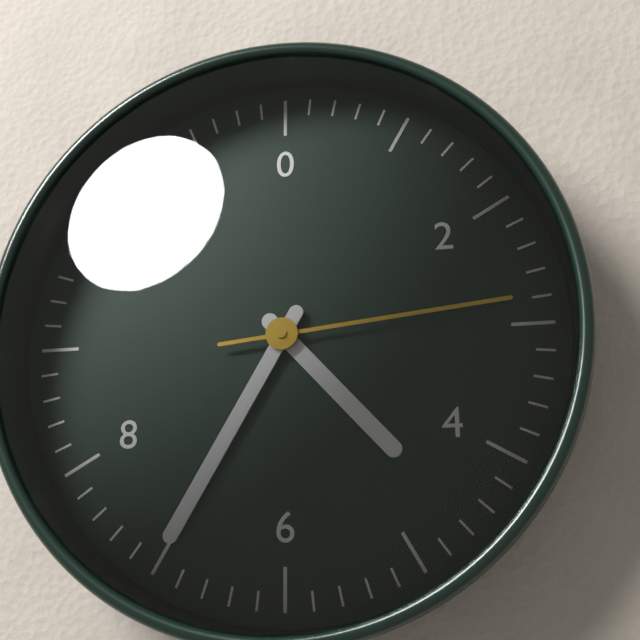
4:35:14
